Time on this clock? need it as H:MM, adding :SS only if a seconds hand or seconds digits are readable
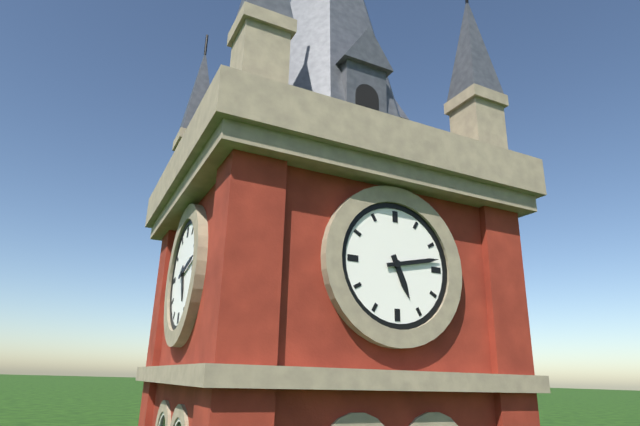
5:13
